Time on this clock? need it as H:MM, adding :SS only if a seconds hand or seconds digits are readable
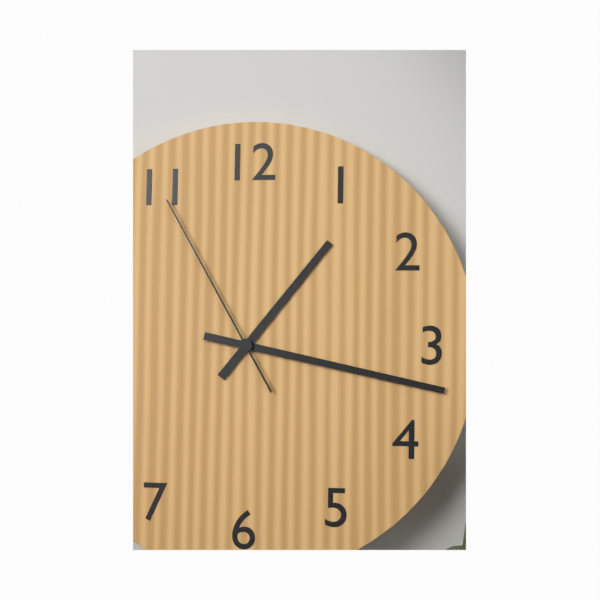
1:17:55
